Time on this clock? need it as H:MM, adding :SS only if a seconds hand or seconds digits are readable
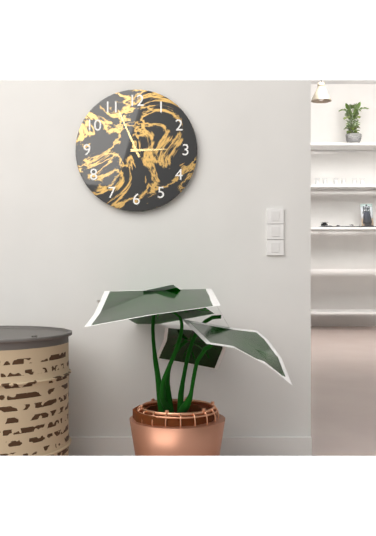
2:56
